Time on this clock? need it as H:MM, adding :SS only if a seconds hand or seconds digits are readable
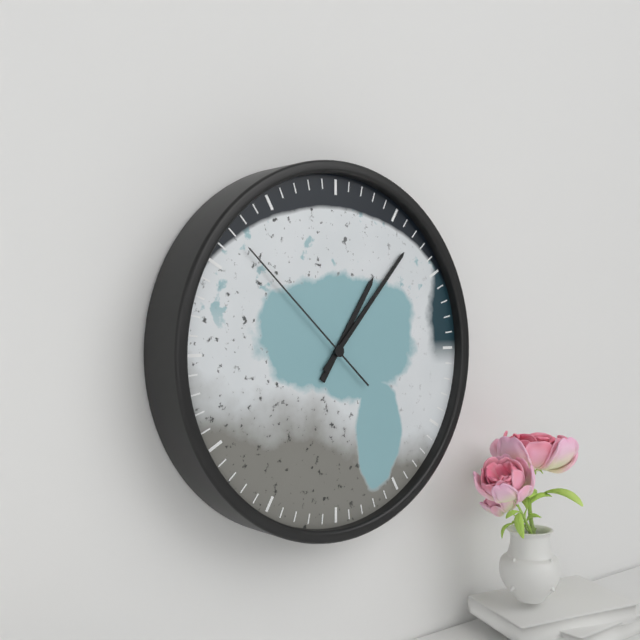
1:07:52
